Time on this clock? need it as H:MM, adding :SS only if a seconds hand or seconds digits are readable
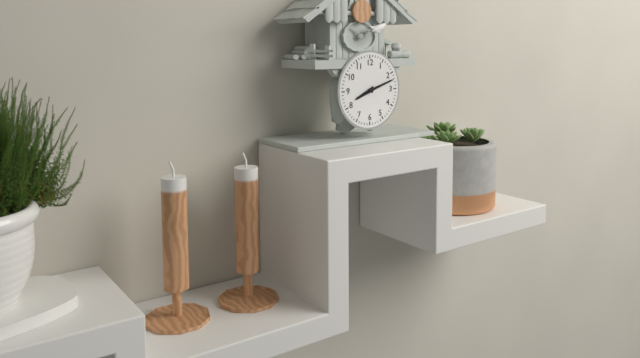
8:12
